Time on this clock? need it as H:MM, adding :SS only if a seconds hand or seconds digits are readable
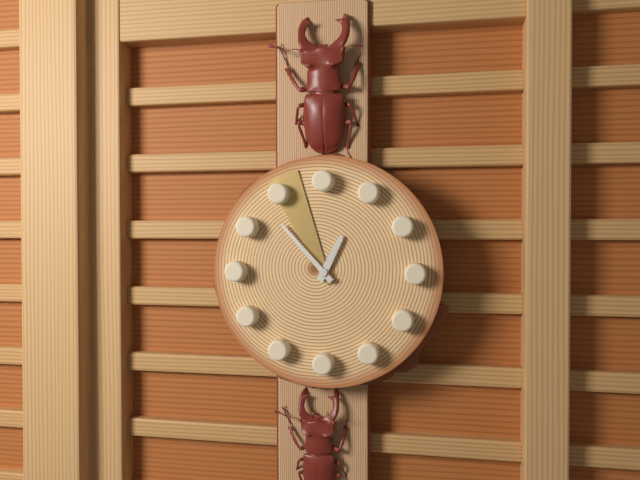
12:53:56
